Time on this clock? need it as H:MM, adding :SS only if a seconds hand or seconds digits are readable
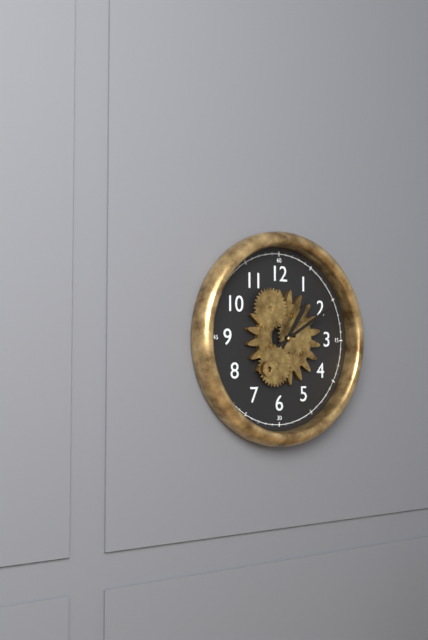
1:10
